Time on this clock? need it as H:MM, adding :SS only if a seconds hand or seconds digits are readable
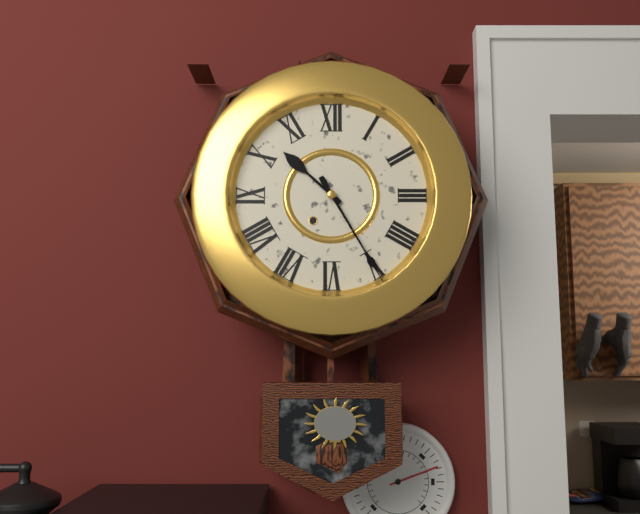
10:25
